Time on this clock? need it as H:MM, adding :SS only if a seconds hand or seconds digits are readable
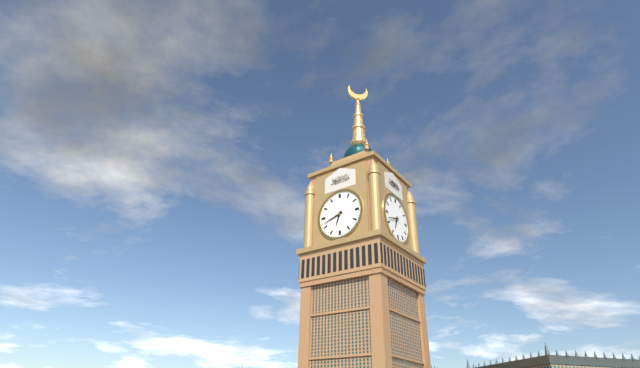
6:42
